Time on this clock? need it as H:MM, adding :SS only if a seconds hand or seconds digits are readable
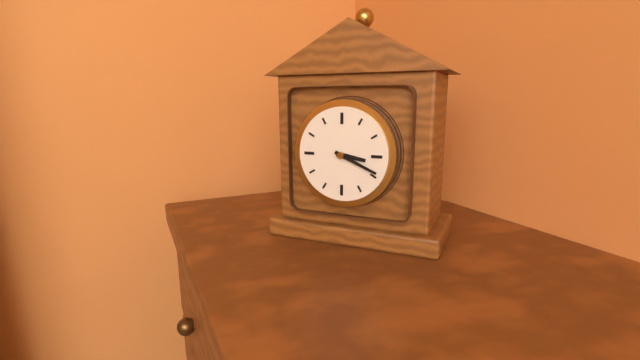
3:19
